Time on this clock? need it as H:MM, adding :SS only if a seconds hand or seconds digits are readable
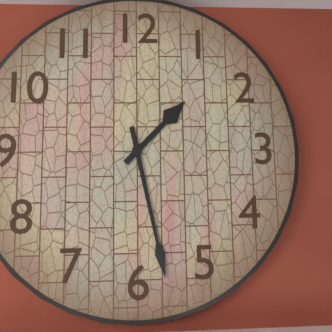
1:28
